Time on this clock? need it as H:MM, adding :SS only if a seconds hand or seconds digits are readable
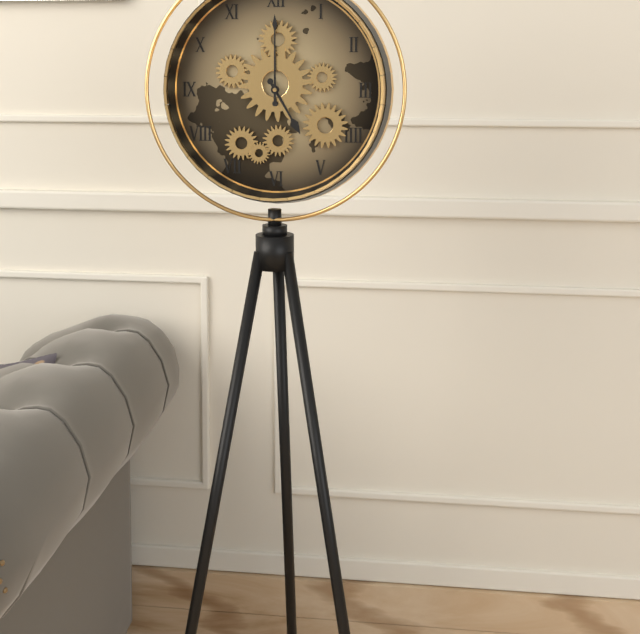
5:00
